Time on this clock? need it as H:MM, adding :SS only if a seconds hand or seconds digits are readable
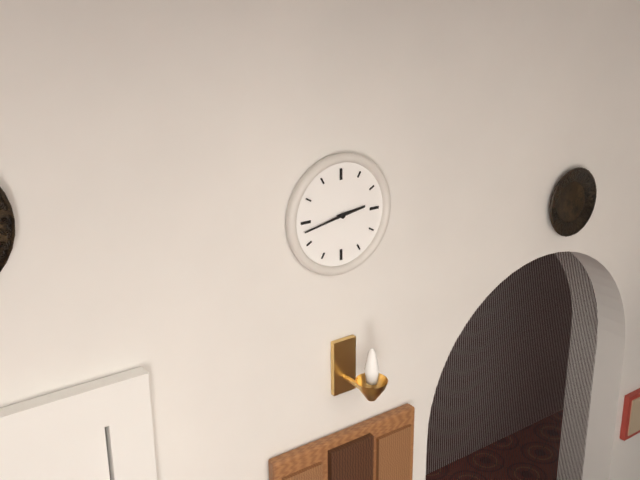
2:43
